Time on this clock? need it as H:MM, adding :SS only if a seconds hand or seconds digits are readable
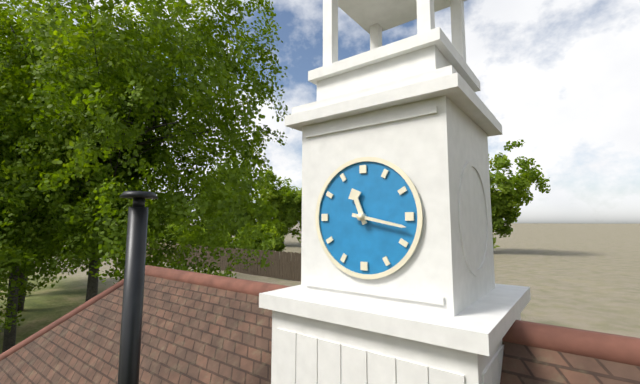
11:17
